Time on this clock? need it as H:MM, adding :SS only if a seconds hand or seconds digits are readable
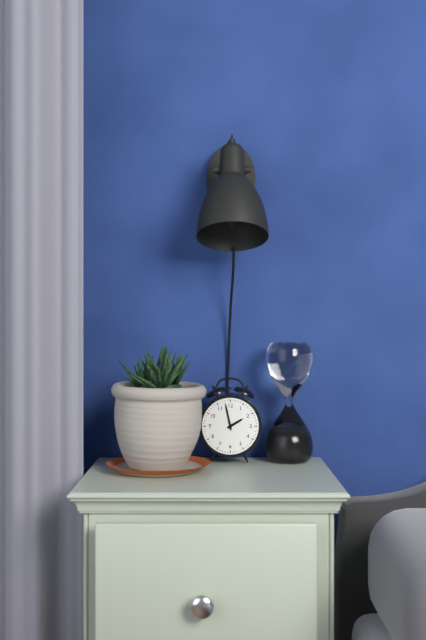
1:58
